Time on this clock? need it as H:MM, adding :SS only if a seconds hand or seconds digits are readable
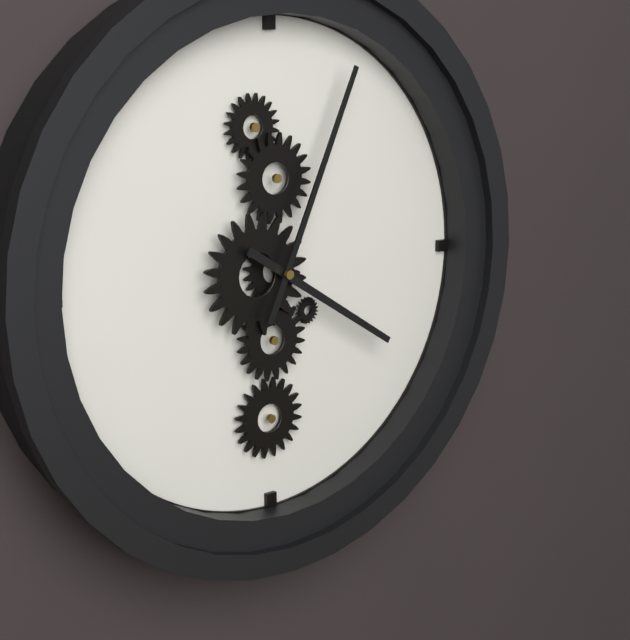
4:04
